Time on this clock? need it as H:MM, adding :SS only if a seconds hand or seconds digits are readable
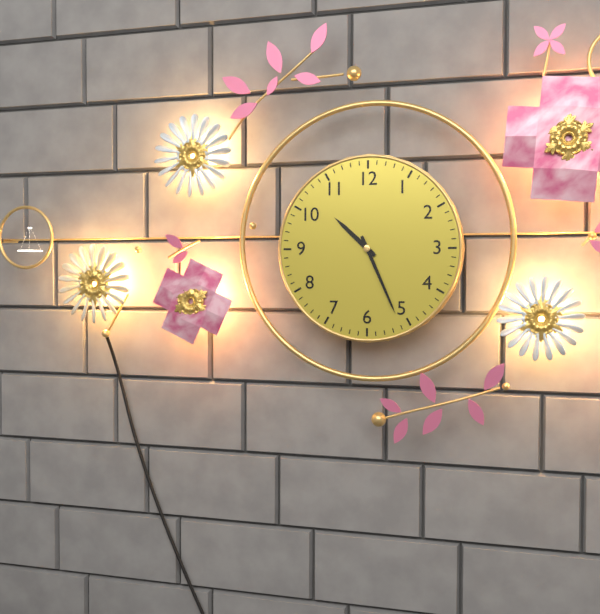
10:26
